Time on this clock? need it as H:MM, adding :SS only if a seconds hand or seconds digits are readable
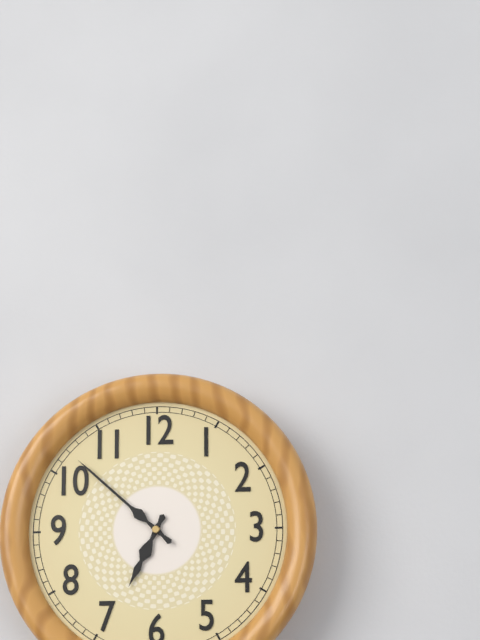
6:52
